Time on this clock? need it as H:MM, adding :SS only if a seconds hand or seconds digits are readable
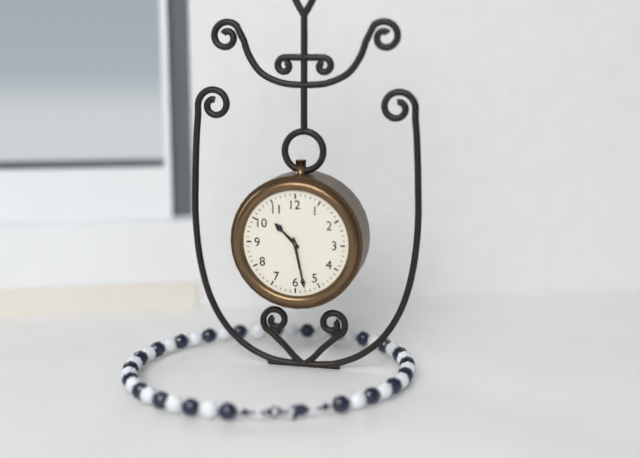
10:28
